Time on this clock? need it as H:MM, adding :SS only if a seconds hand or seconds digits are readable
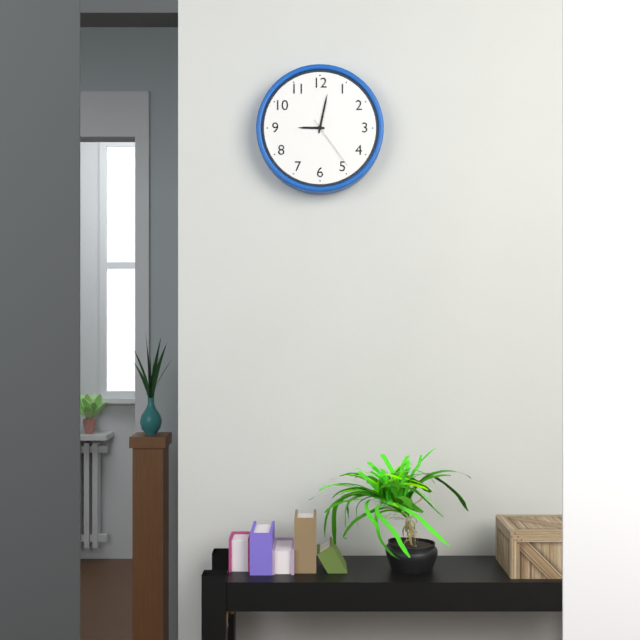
9:02:24
